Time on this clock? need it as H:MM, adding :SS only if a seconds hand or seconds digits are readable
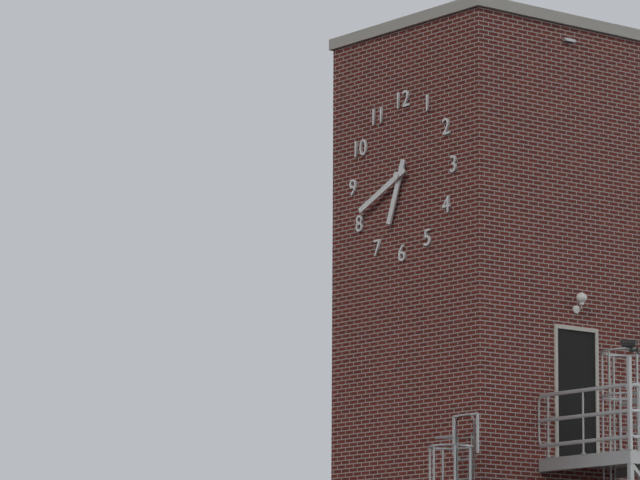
6:41
